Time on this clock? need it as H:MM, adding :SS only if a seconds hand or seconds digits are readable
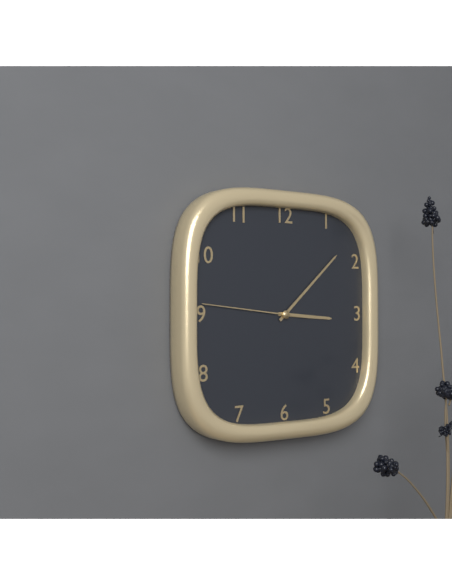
3:08:46
